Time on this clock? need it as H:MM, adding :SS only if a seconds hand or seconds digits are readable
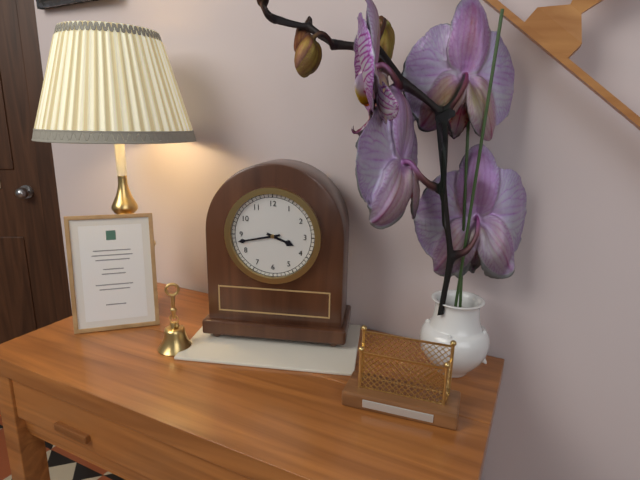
3:43
